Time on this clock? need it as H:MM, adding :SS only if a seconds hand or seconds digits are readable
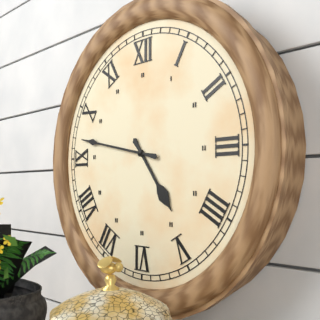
4:47
